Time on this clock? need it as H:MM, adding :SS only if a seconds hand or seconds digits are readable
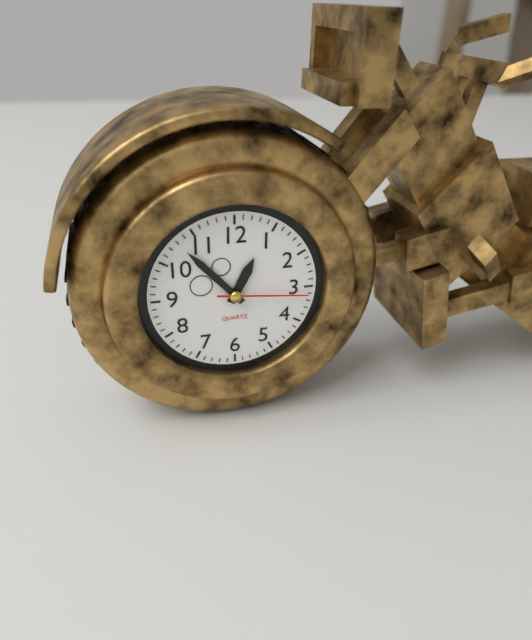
12:53:16
